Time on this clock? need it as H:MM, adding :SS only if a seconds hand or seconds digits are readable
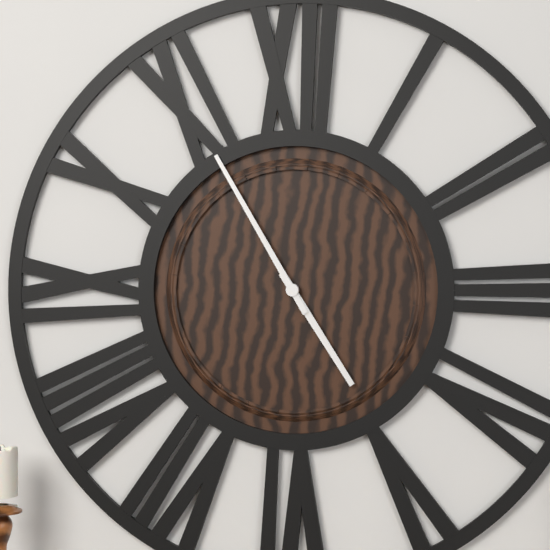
4:55
